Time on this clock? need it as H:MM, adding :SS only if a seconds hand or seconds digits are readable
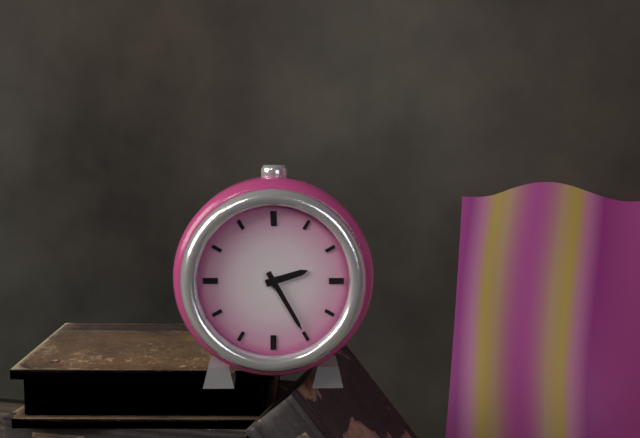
2:25
